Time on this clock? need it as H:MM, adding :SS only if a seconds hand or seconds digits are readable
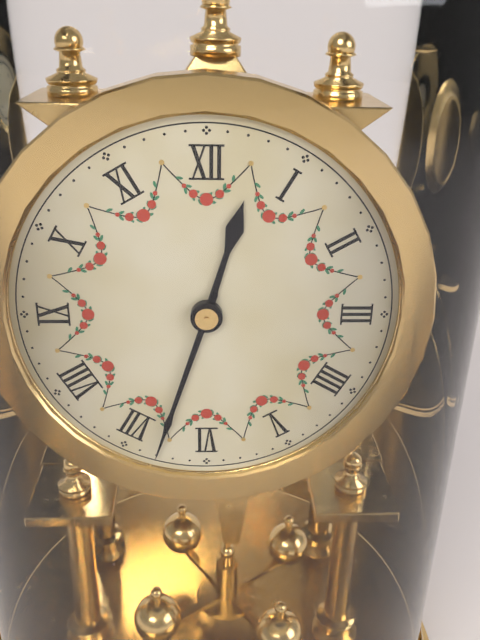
12:33
